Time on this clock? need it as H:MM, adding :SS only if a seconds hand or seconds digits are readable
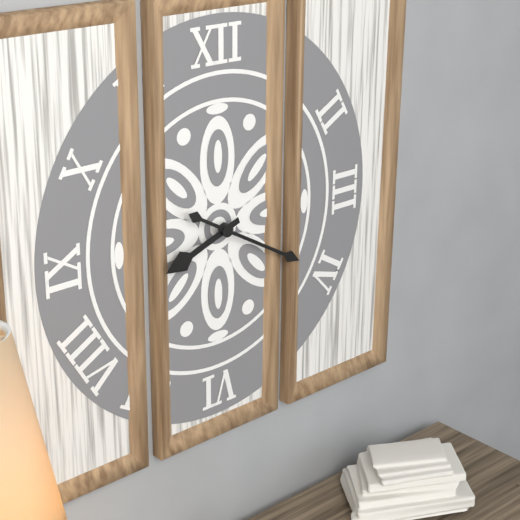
8:20
